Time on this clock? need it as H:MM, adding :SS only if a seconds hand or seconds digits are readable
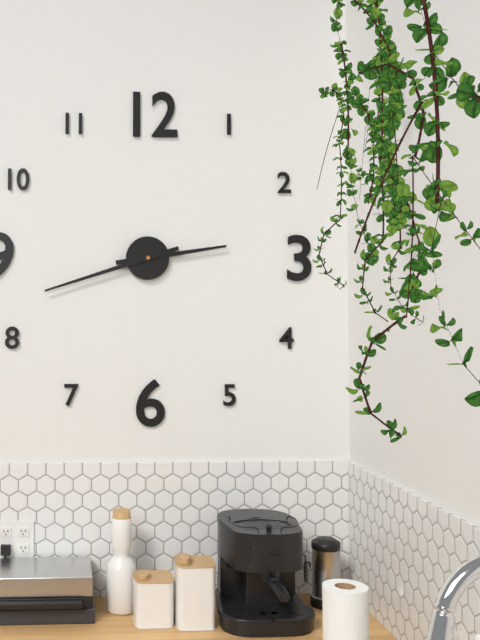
2:42
